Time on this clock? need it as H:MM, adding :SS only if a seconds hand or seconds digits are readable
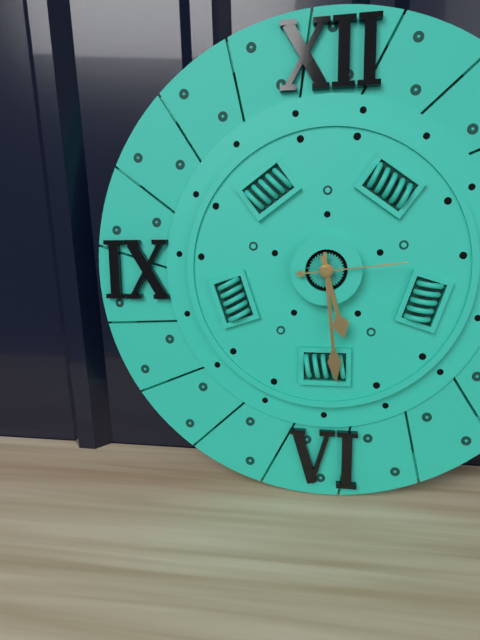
5:29:14
